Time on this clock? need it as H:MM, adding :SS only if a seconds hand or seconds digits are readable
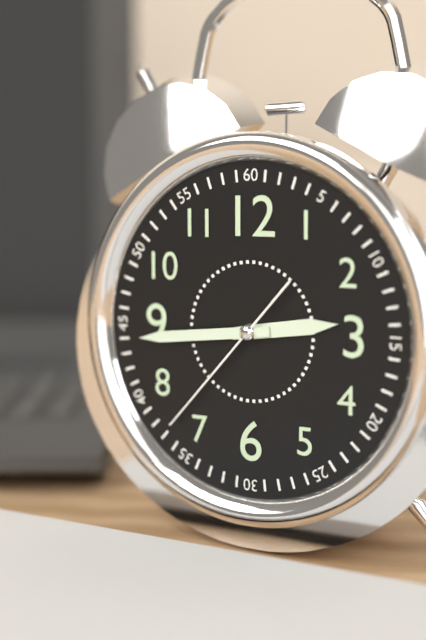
2:44:37
